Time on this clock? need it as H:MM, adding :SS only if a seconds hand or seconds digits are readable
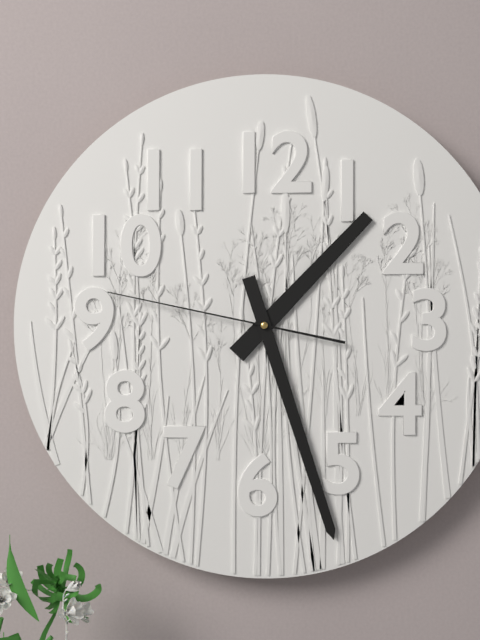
1:27:47
